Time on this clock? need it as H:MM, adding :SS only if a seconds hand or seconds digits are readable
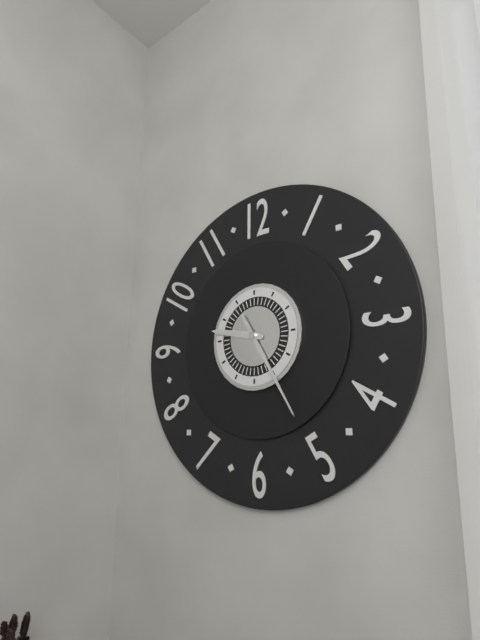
9:25
